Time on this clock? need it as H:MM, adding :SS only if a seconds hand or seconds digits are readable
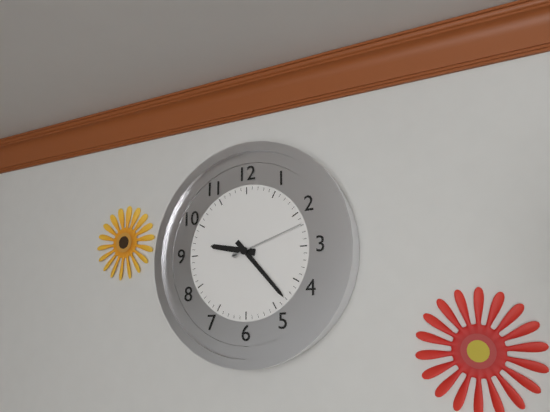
9:23:12
